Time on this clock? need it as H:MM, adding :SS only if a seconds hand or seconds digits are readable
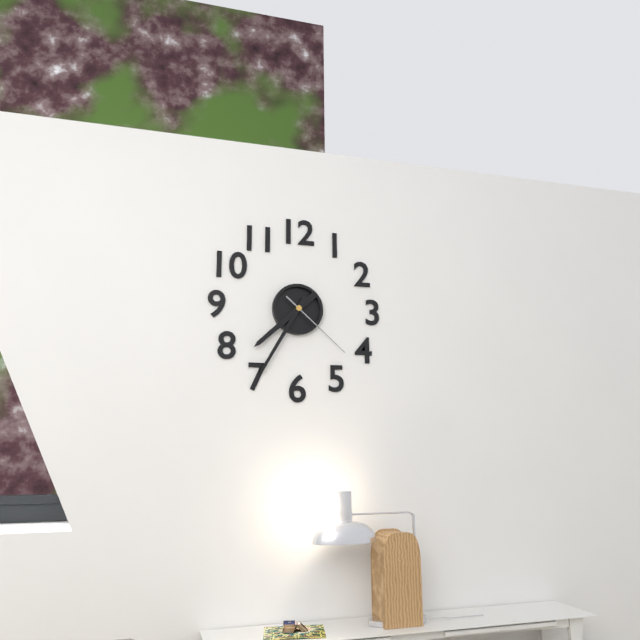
7:35:22
